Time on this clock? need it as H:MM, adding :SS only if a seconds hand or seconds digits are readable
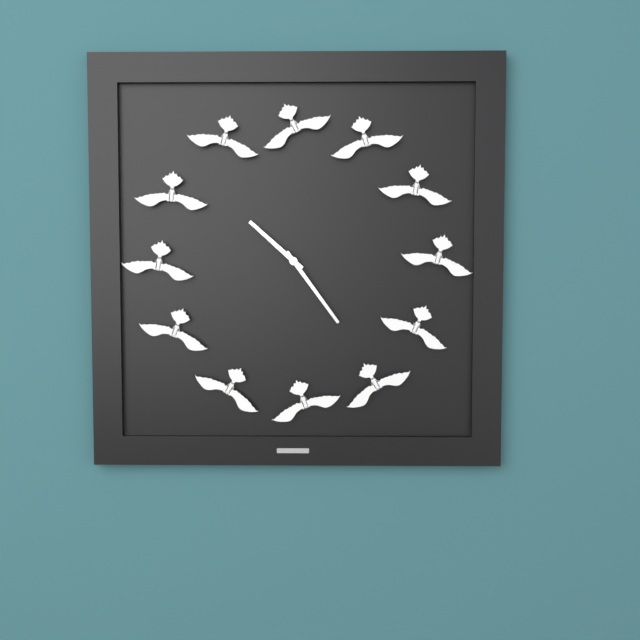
10:24
